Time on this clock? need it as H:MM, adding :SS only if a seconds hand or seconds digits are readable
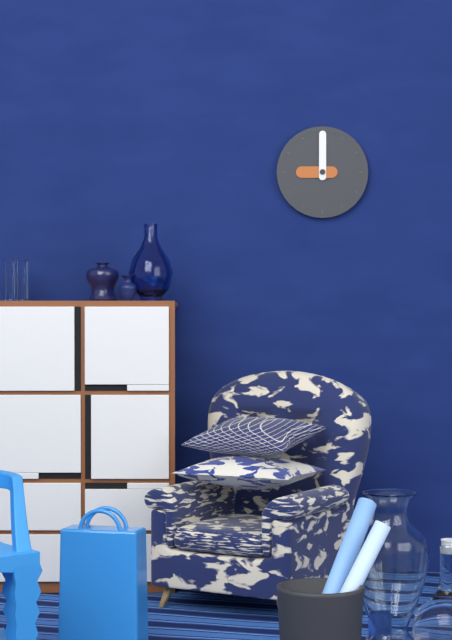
9:00
